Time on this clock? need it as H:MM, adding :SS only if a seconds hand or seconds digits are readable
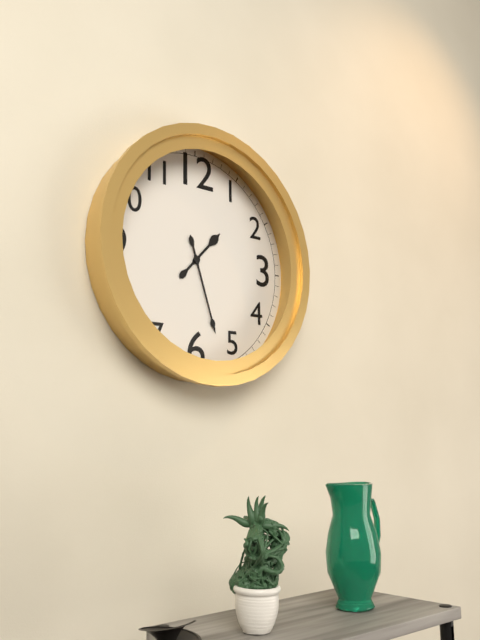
1:27
